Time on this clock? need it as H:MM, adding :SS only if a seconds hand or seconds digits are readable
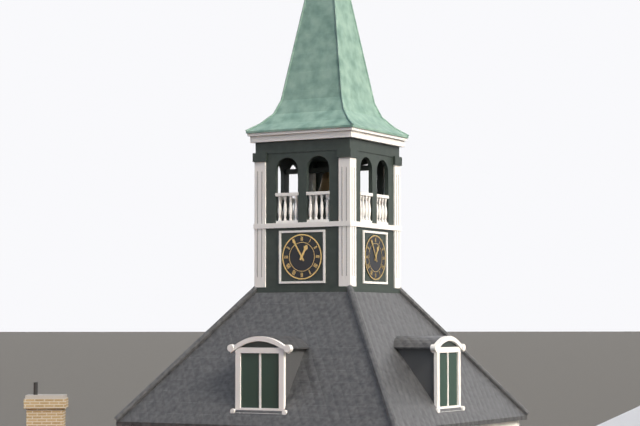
12:55
